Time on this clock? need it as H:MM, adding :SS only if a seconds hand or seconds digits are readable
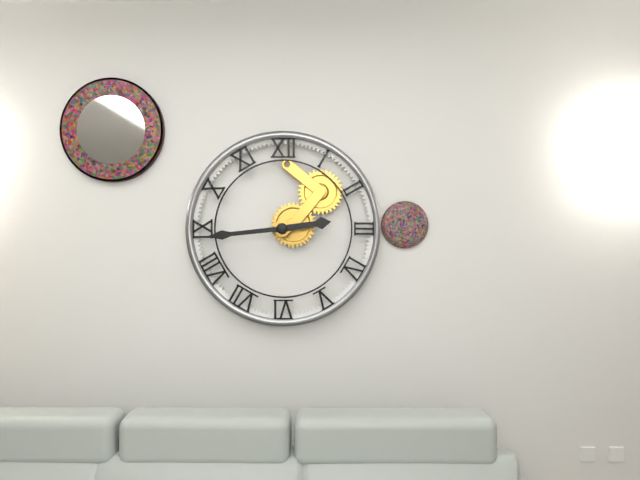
2:44
